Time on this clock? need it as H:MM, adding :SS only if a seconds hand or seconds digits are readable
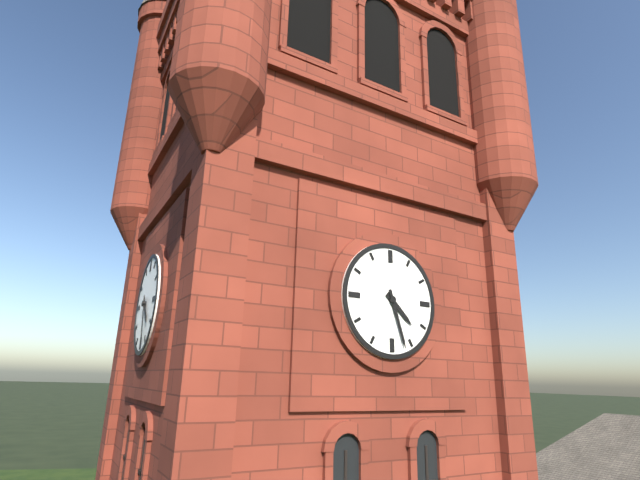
4:27
